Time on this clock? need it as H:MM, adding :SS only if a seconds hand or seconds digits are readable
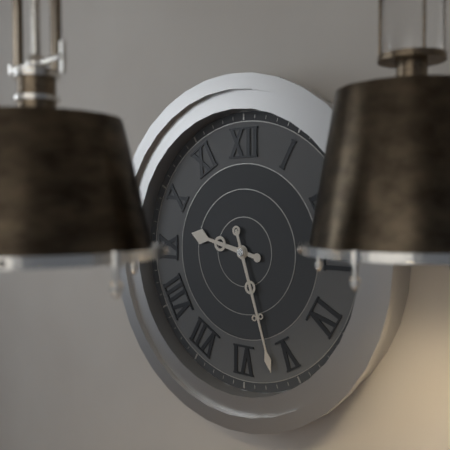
9:27
